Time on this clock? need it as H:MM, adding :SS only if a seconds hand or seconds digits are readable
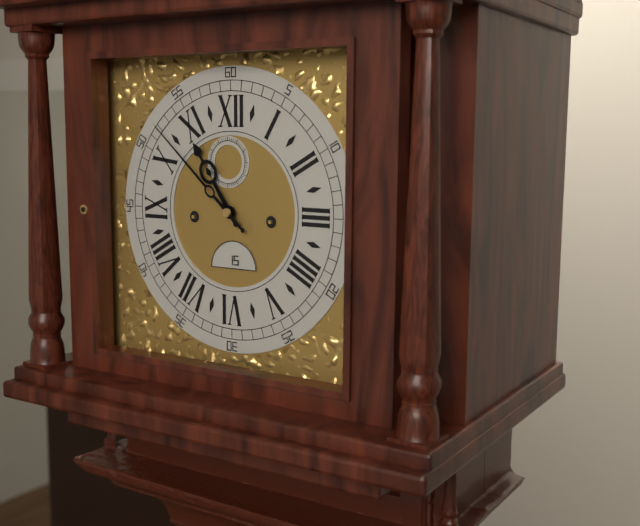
10:52
